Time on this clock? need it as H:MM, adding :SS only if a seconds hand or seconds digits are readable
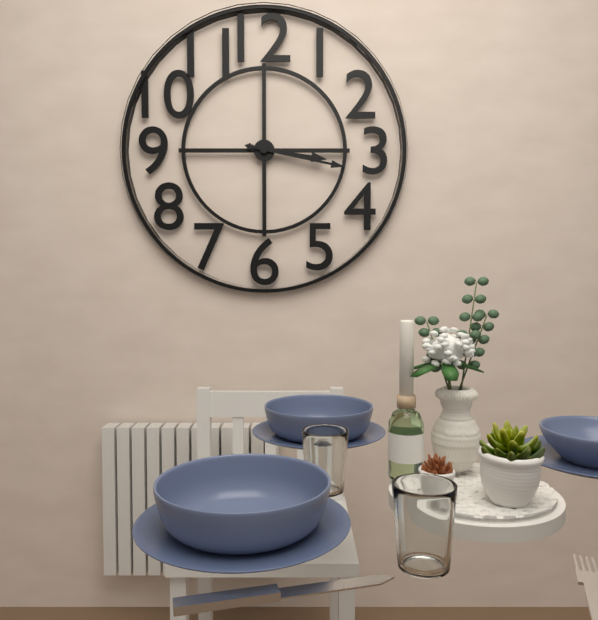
3:17
